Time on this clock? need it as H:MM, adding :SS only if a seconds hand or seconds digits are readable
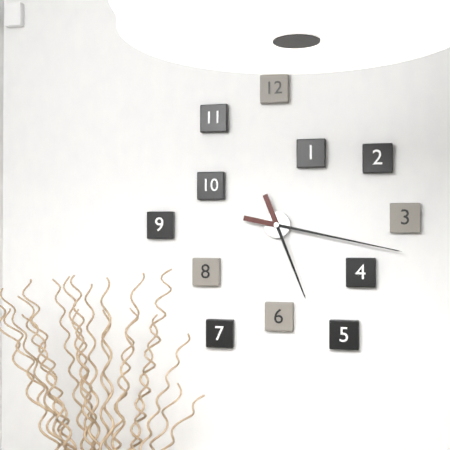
5:17
